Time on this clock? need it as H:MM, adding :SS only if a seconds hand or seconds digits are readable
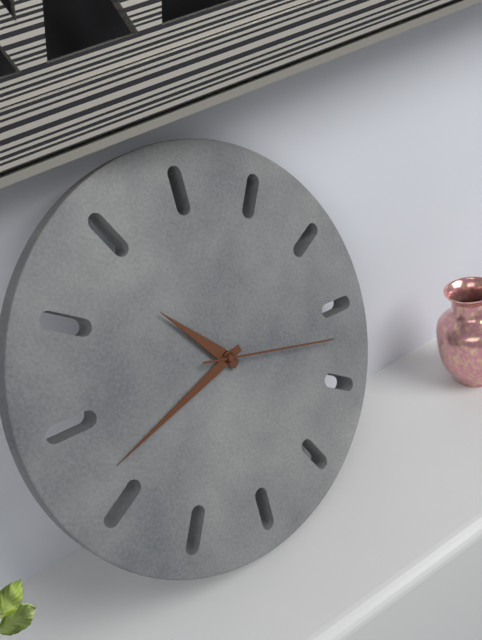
9:37:12
